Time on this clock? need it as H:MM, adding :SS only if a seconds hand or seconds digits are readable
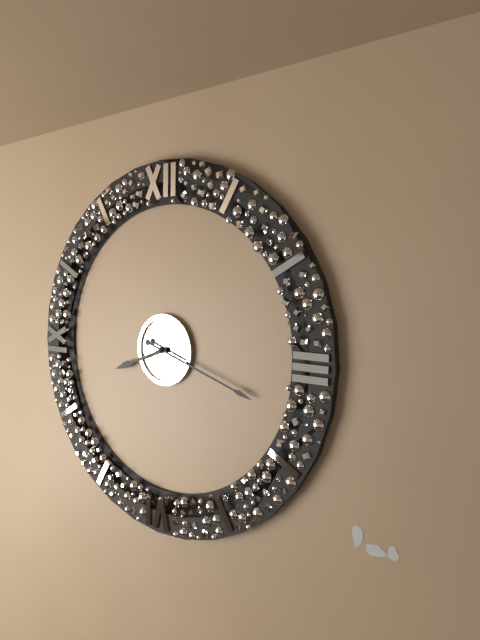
8:18
